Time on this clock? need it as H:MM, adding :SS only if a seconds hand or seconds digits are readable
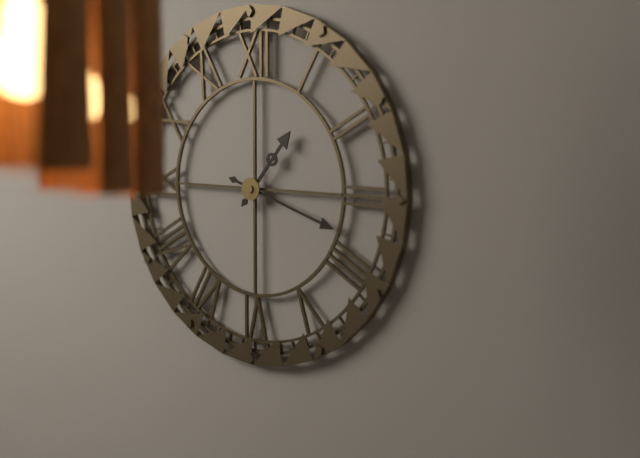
1:18
